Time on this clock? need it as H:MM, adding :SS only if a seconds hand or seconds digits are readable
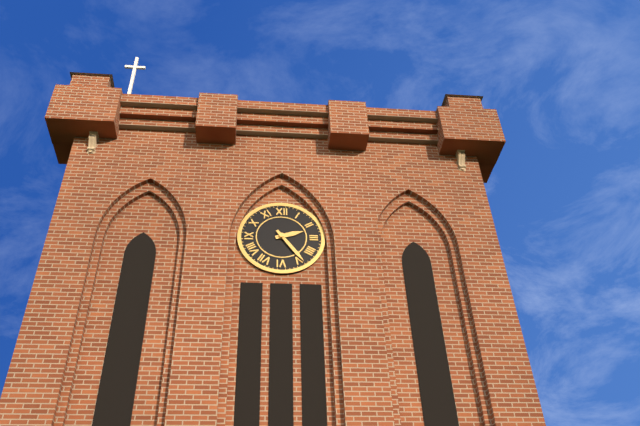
2:24
